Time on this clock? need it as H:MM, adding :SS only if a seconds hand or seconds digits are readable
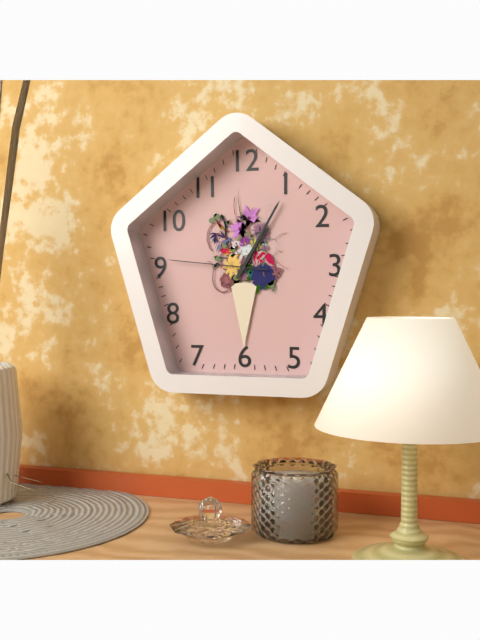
1:05:46
